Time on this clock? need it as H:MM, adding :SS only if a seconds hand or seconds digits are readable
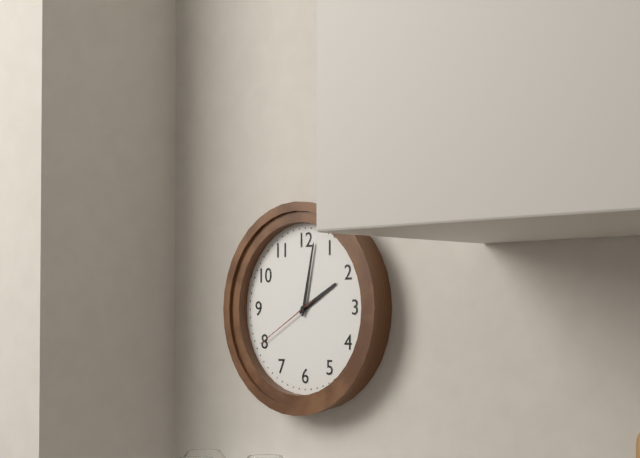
2:02:40
